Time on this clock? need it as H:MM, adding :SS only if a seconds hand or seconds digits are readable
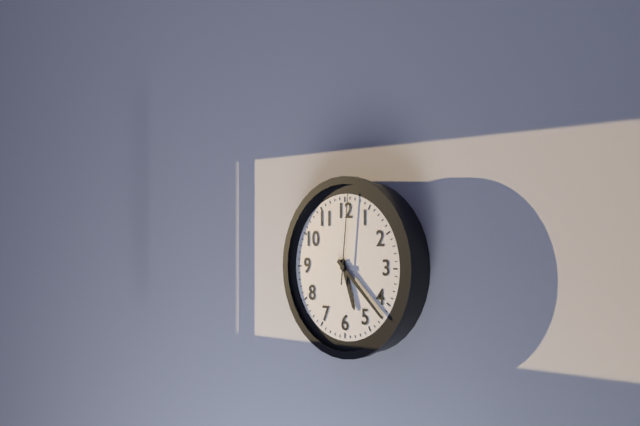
5:22:01
